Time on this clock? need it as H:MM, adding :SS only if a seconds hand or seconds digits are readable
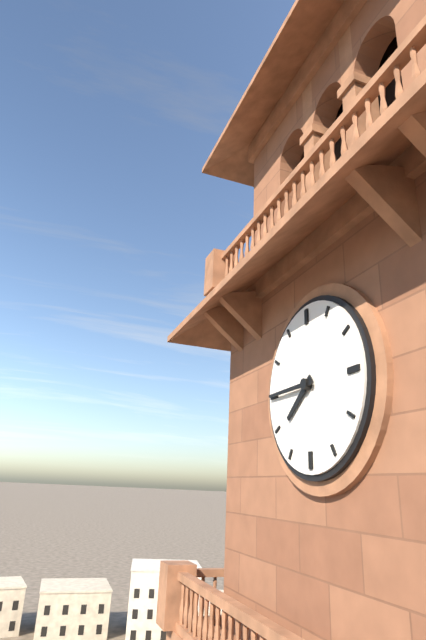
7:45
